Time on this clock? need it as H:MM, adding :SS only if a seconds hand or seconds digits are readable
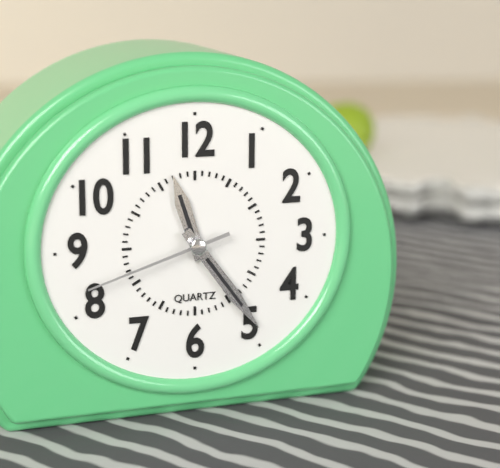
11:24:42
